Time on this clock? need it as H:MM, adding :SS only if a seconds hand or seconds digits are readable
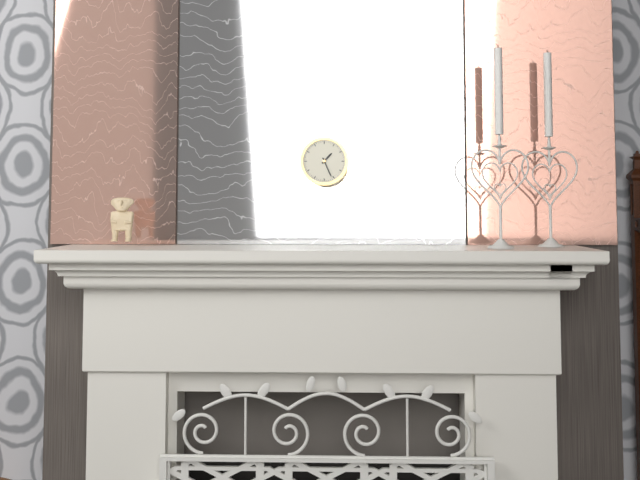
1:26
